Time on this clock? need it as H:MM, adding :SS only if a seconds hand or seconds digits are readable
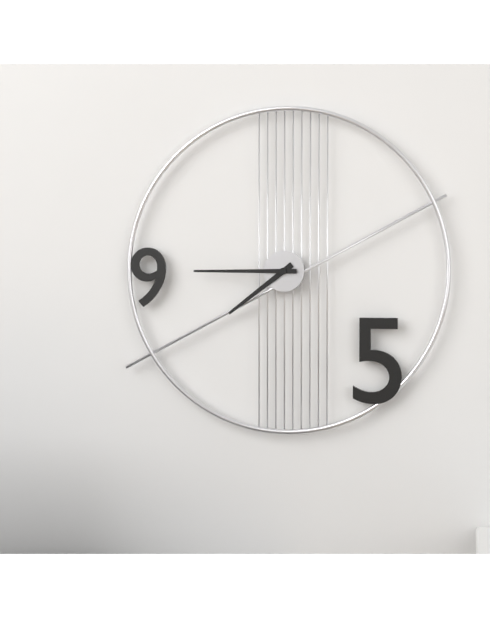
7:45
